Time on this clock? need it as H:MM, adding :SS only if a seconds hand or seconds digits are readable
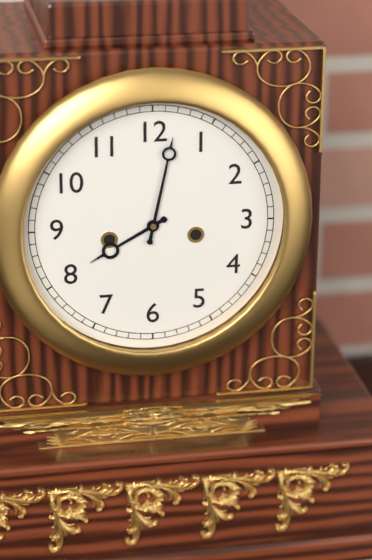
8:02
